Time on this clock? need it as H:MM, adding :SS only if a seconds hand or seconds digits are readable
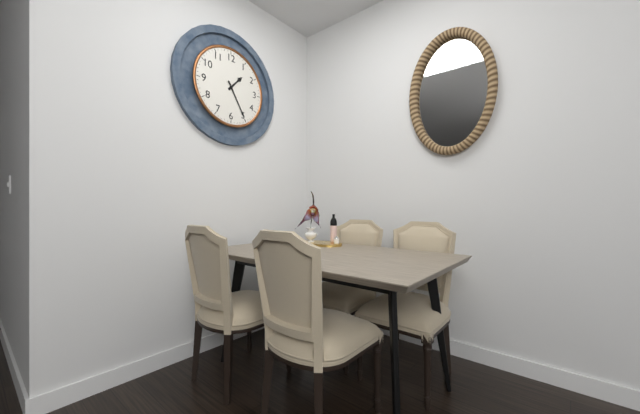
1:25
